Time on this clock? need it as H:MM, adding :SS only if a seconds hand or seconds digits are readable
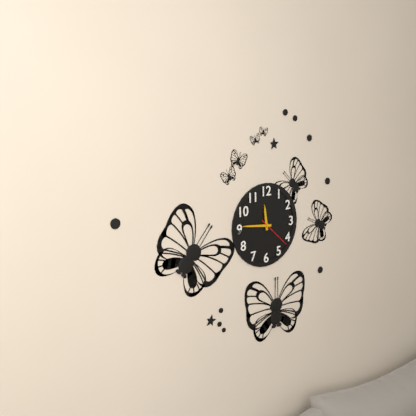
11:46
